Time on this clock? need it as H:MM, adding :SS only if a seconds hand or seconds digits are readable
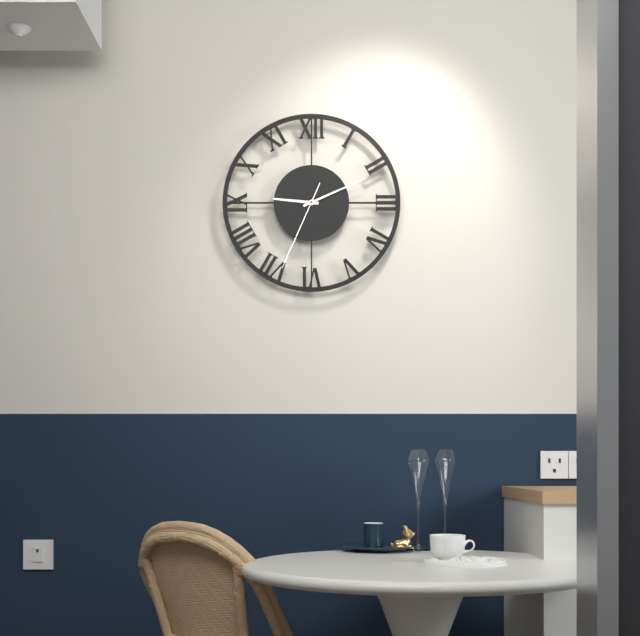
9:11:34
